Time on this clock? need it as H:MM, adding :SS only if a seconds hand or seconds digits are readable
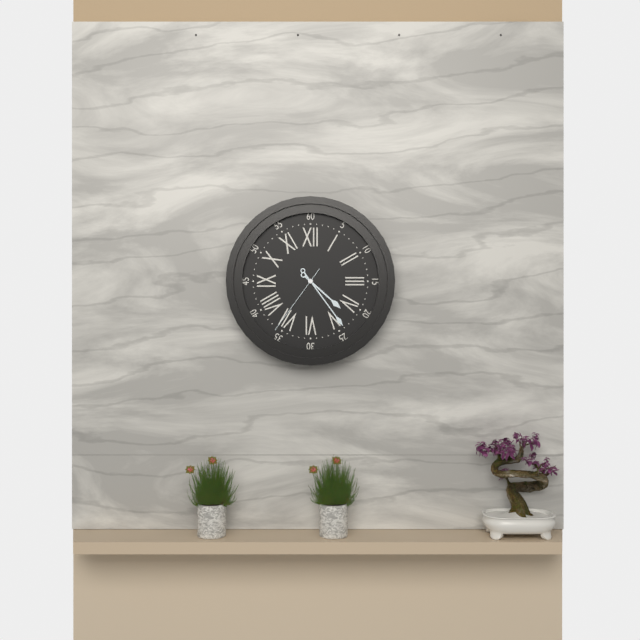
4:24:36
